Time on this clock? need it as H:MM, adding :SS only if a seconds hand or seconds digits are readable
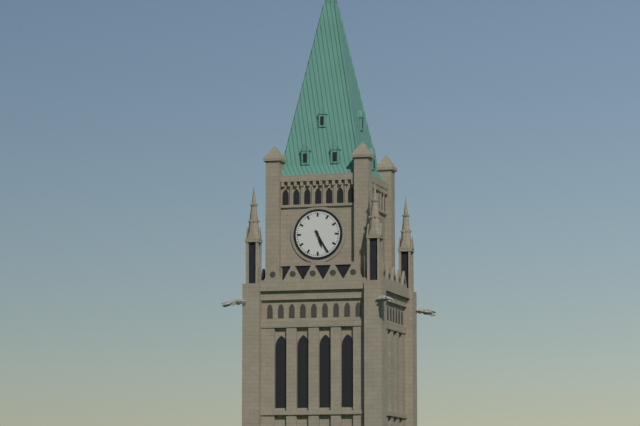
5:25
